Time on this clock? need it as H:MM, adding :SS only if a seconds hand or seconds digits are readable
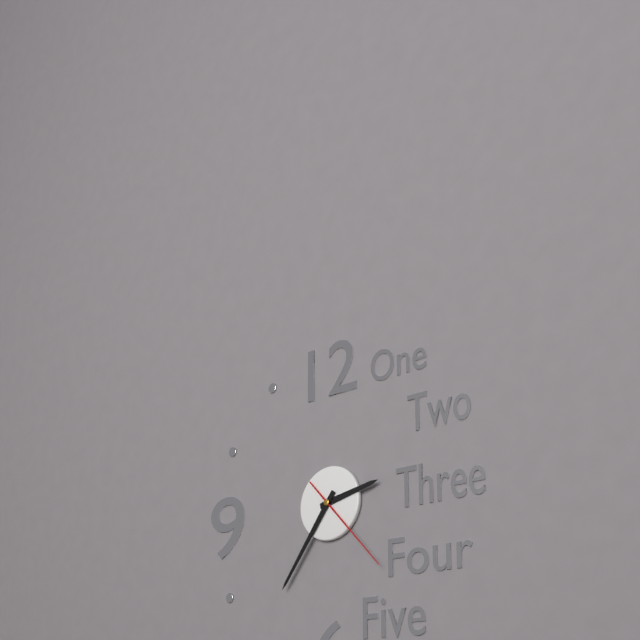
2:36:23
